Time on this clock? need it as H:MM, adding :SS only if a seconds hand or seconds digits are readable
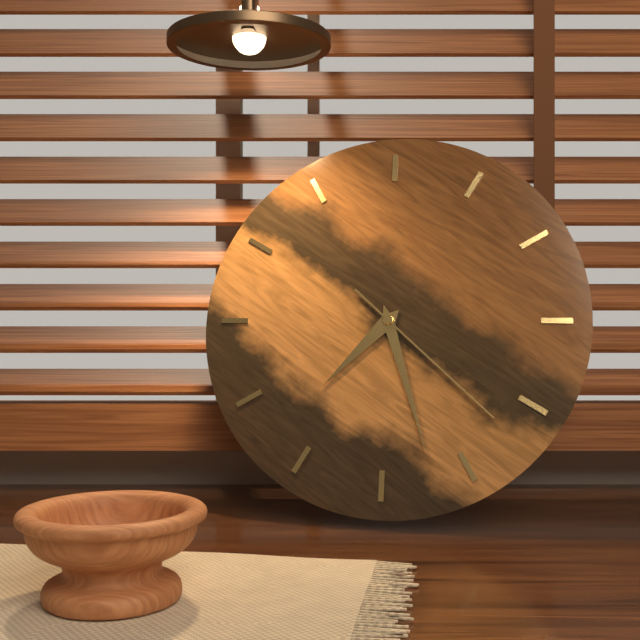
7:27:22
